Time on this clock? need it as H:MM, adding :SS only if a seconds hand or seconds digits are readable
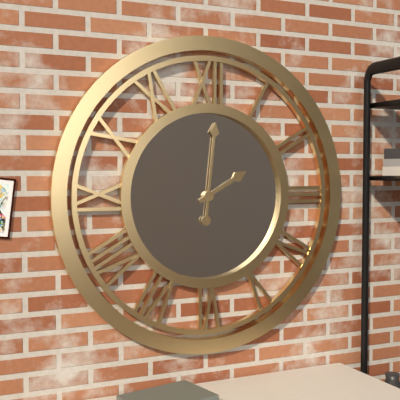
2:01
